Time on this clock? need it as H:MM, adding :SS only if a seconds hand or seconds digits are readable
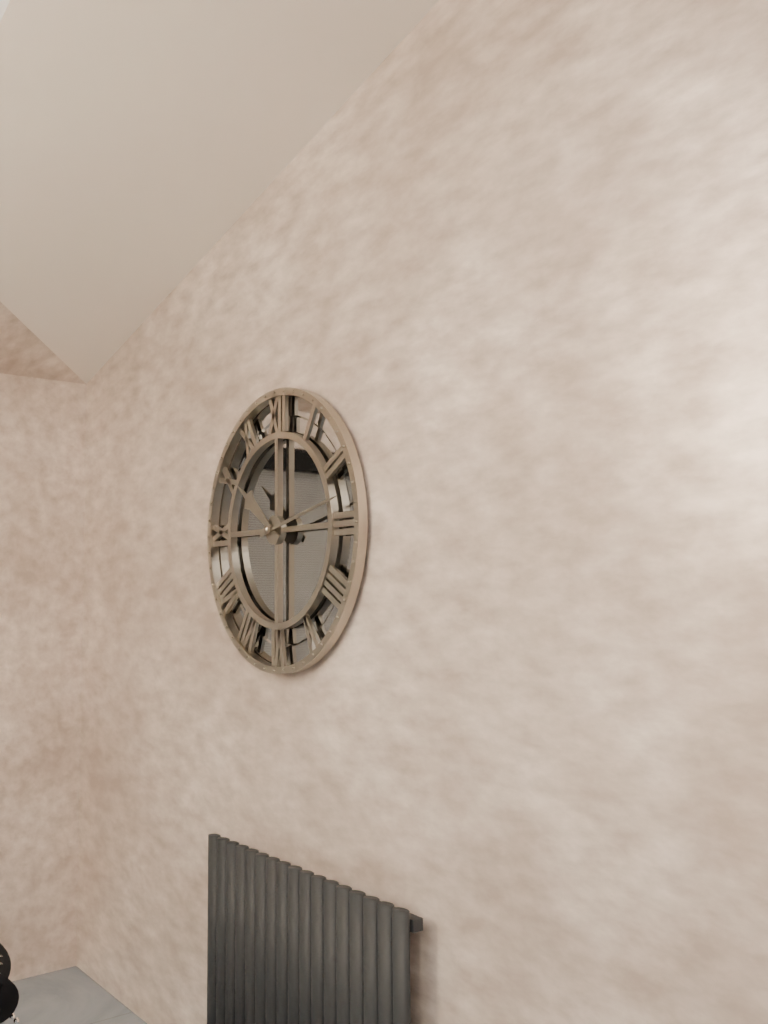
10:13
